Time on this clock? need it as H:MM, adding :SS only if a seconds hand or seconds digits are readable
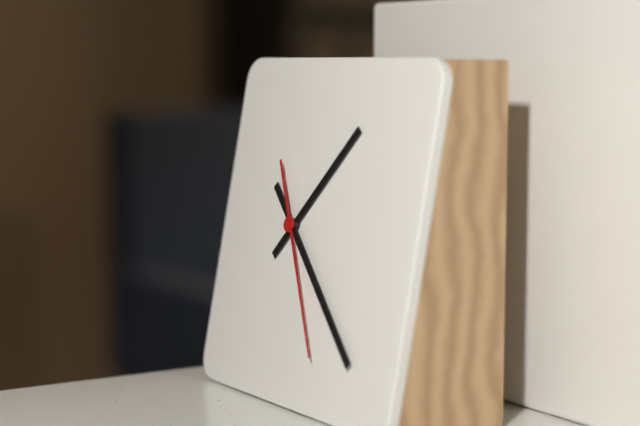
1:22:25
